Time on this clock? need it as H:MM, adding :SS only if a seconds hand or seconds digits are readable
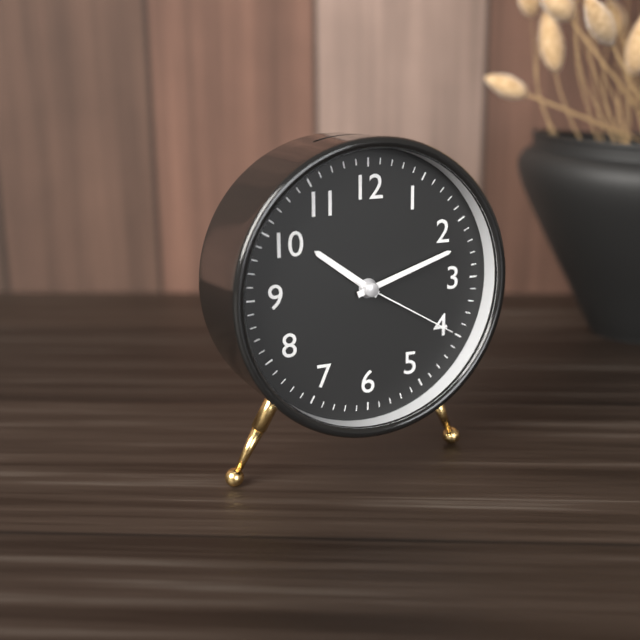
10:12:20
